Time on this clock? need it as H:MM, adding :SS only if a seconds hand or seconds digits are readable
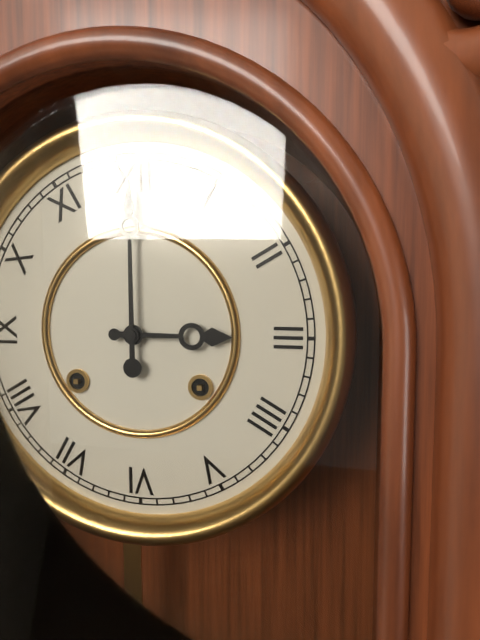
3:00
